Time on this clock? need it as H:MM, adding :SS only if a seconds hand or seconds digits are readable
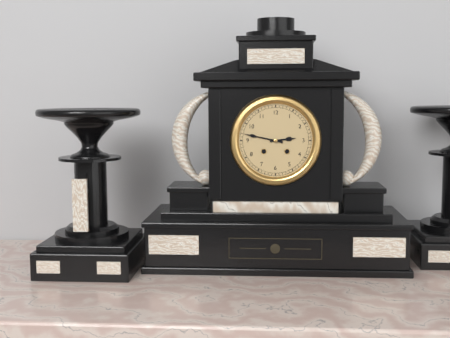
2:47
